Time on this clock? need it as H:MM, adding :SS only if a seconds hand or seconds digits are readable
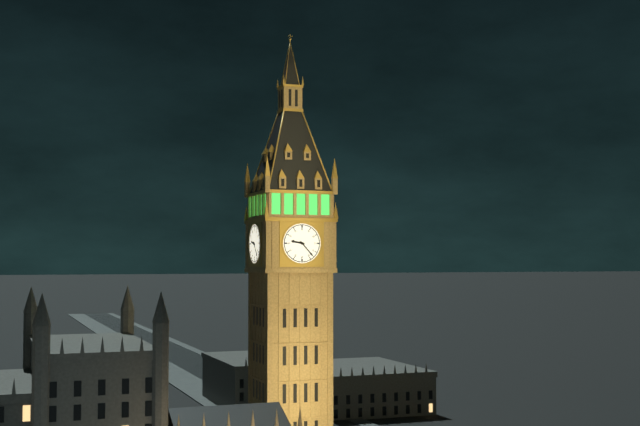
9:23
